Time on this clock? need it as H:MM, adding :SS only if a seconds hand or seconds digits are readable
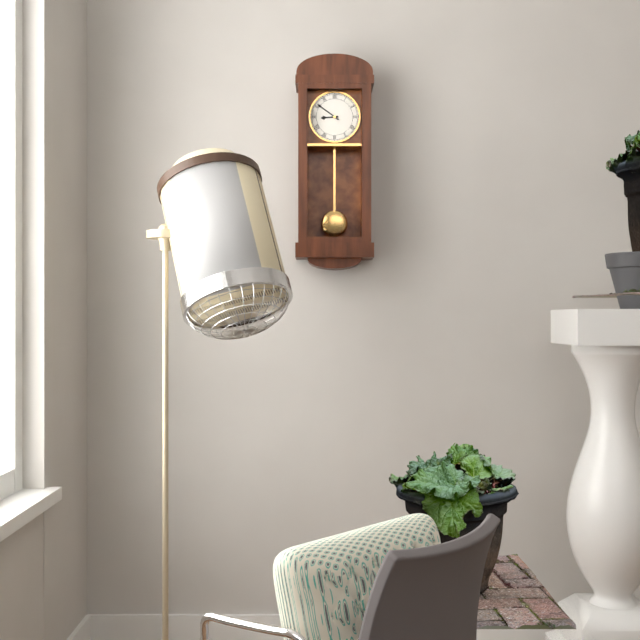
8:51
